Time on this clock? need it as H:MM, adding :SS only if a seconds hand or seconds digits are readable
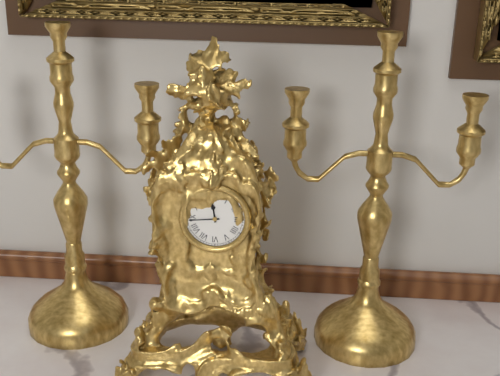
11:44
